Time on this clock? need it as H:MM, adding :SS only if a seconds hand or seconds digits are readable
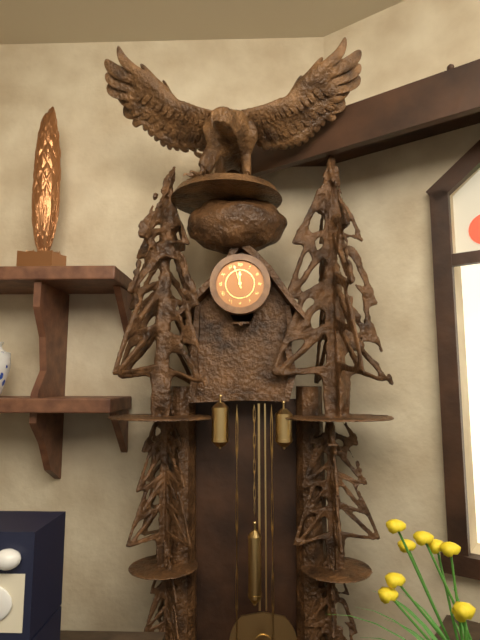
11:57
